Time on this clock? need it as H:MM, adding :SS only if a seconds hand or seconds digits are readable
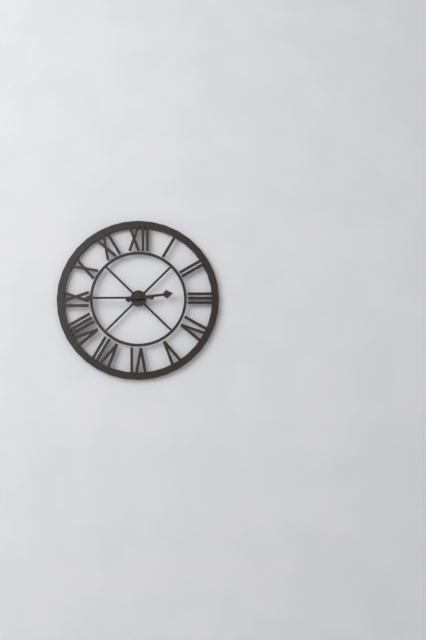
2:45
